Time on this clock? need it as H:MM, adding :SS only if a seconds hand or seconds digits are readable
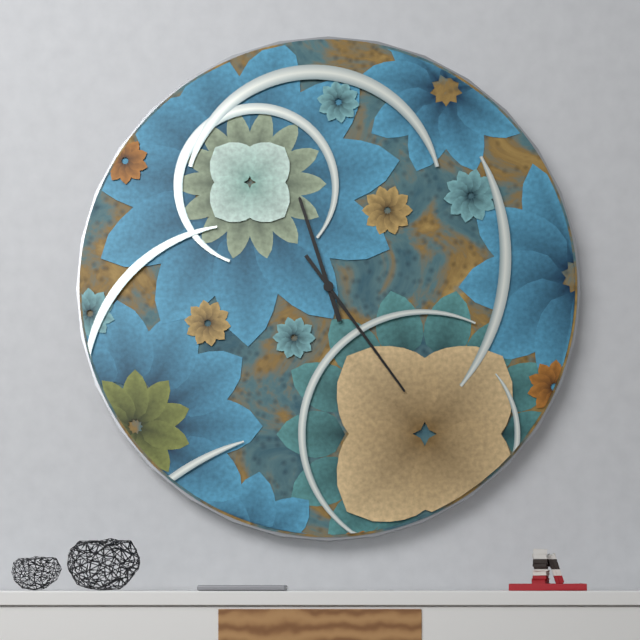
11:24
